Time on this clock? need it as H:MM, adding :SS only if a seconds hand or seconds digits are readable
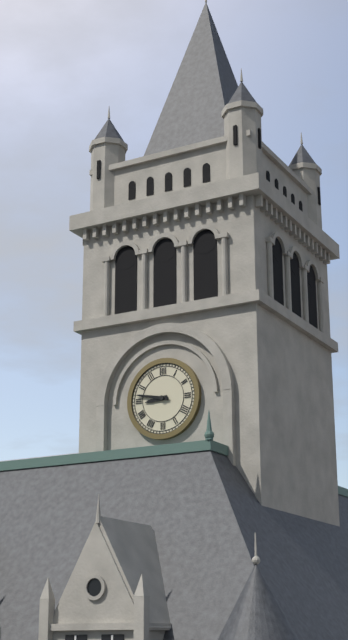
8:47
